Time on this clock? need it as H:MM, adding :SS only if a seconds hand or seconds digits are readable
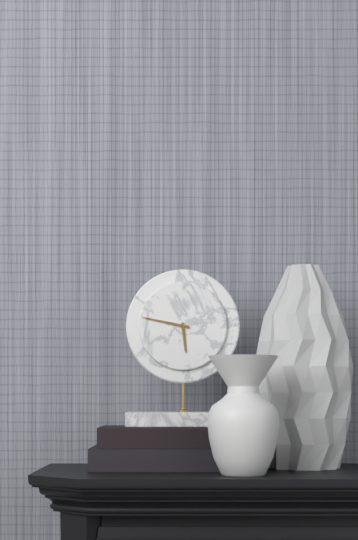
5:47
